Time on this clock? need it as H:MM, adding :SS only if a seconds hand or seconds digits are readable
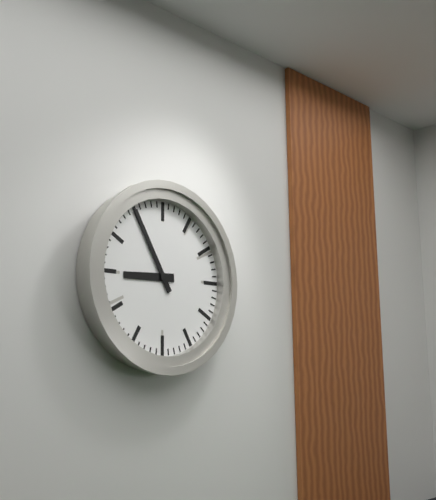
8:55
